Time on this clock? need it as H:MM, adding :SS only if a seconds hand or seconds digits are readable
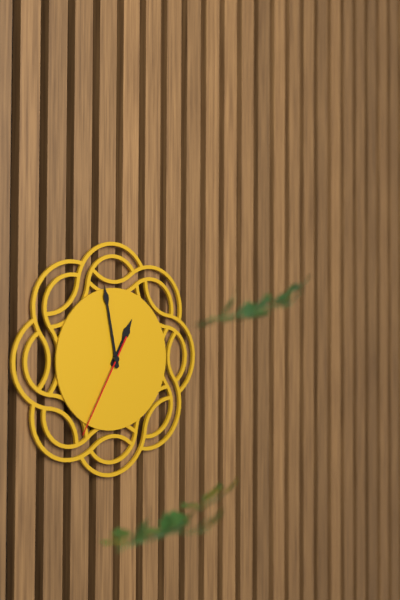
12:58:35
